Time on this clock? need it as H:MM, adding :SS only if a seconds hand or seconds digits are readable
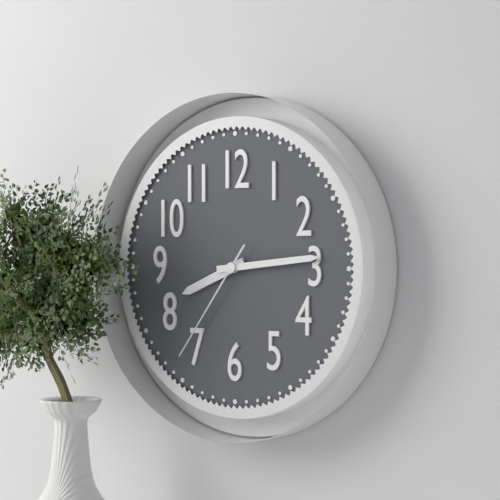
8:14:36
